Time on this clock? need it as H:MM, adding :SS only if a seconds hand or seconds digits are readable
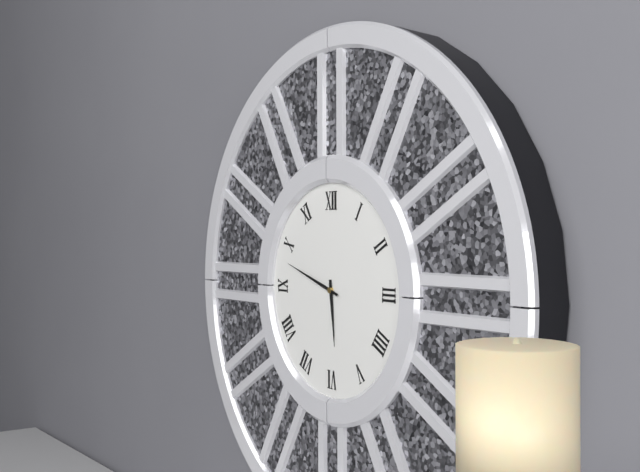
5:48
